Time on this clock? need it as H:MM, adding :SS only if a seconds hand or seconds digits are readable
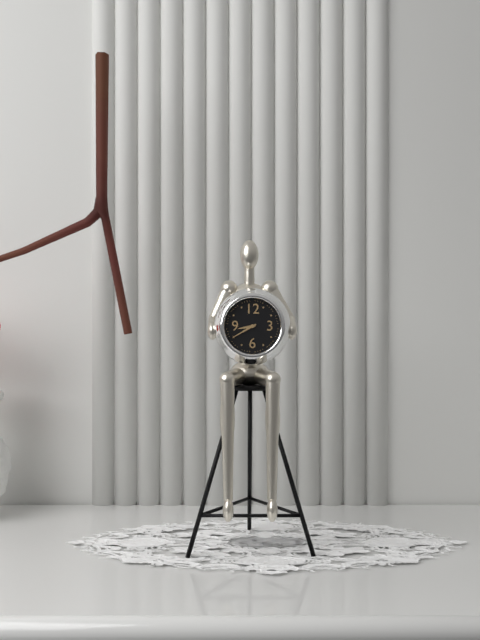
8:40
